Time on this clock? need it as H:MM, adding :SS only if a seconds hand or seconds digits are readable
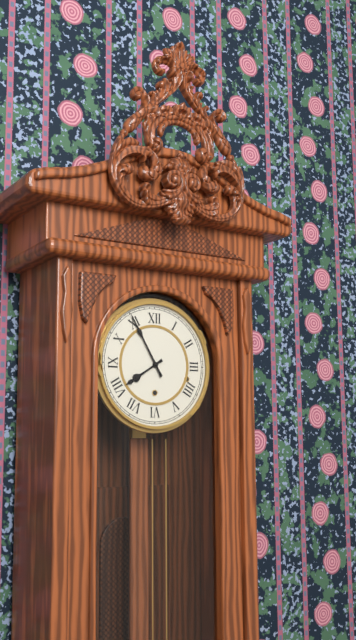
7:55
